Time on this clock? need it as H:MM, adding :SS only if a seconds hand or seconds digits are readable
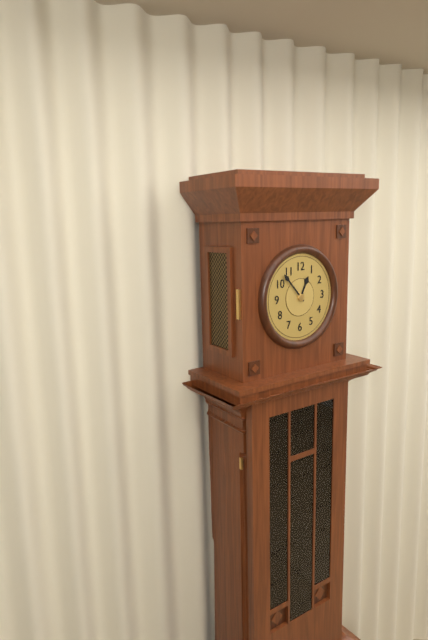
12:53
